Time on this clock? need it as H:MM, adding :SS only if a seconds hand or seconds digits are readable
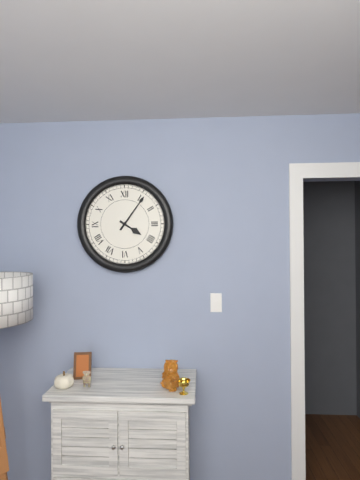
4:06
